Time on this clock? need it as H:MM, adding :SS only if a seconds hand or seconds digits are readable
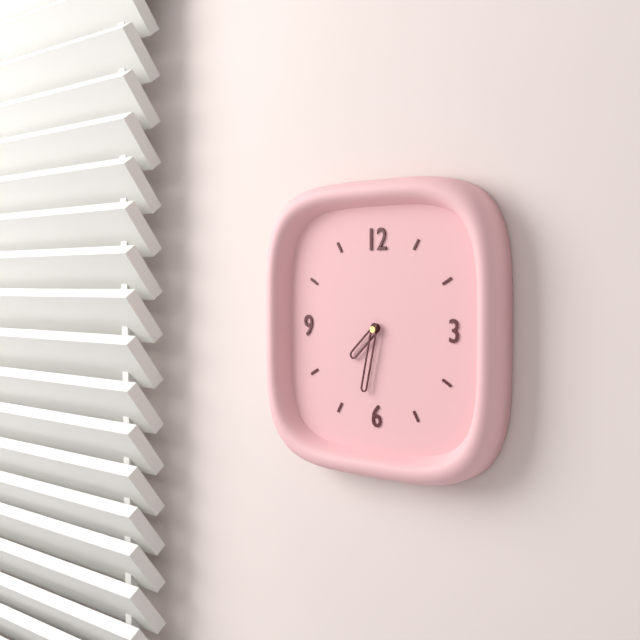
7:32
